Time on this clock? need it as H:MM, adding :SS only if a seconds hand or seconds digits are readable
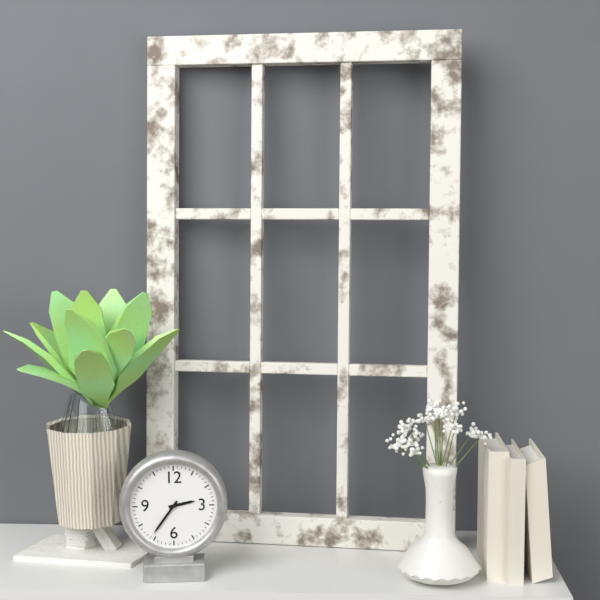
2:36
